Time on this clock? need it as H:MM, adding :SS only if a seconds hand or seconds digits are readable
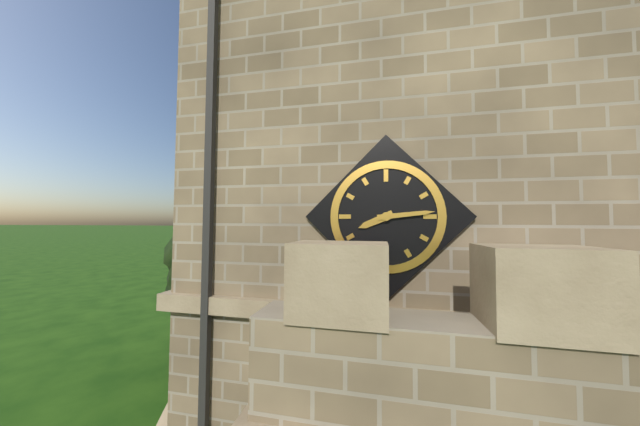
8:14
